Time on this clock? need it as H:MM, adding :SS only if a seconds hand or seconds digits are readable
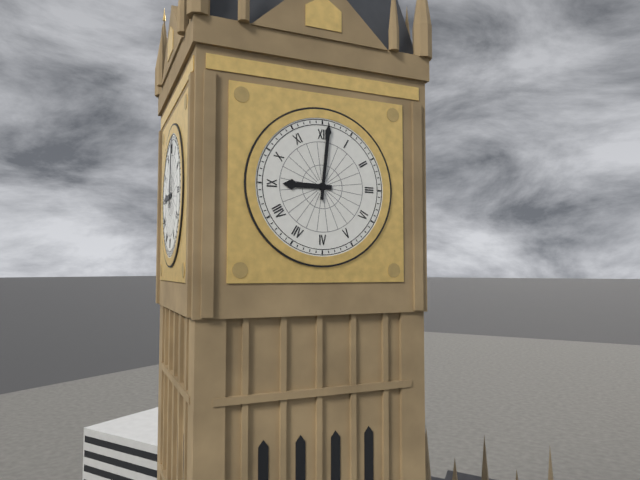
9:01
